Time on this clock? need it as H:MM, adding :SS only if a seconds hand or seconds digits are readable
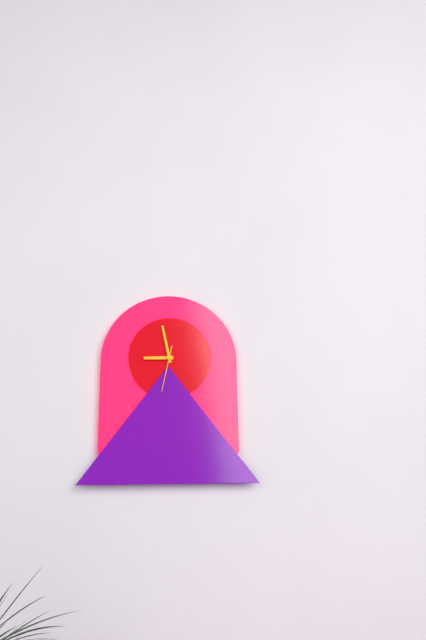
8:58
